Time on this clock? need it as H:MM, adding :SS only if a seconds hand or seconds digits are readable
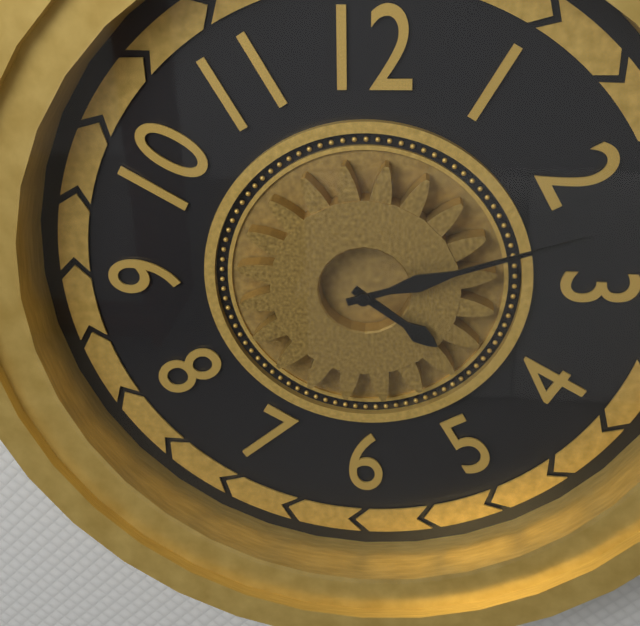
4:12
